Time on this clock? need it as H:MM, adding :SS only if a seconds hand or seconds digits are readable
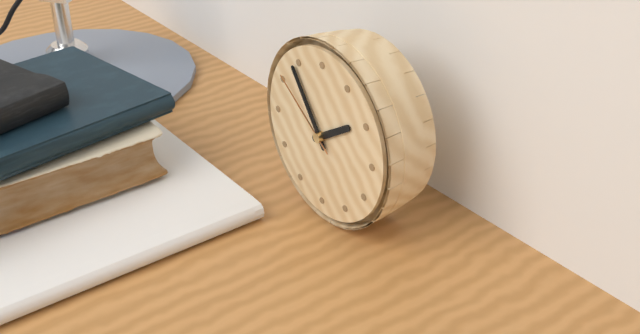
1:54:51
